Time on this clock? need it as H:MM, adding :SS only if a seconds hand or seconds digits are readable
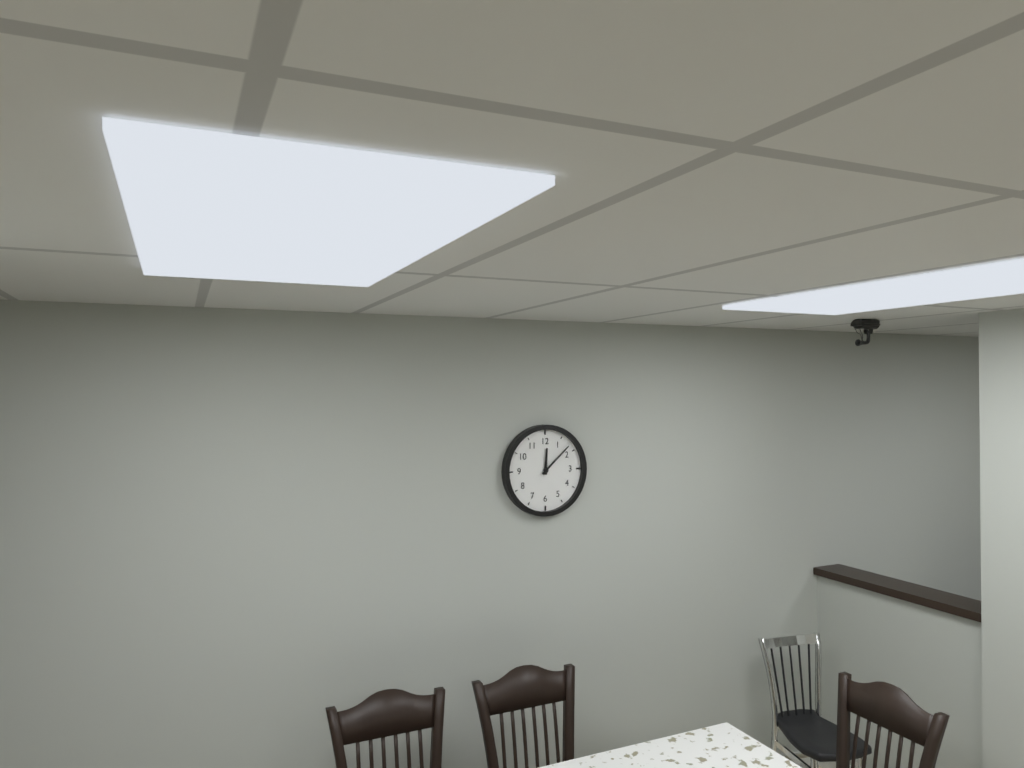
12:08
